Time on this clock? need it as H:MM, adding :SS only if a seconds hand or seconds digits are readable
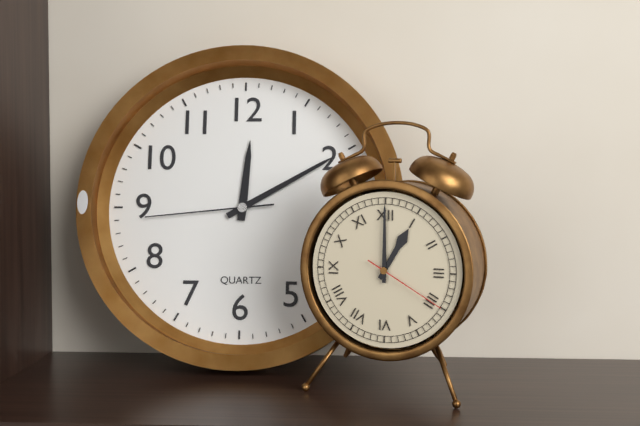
12:10:44
